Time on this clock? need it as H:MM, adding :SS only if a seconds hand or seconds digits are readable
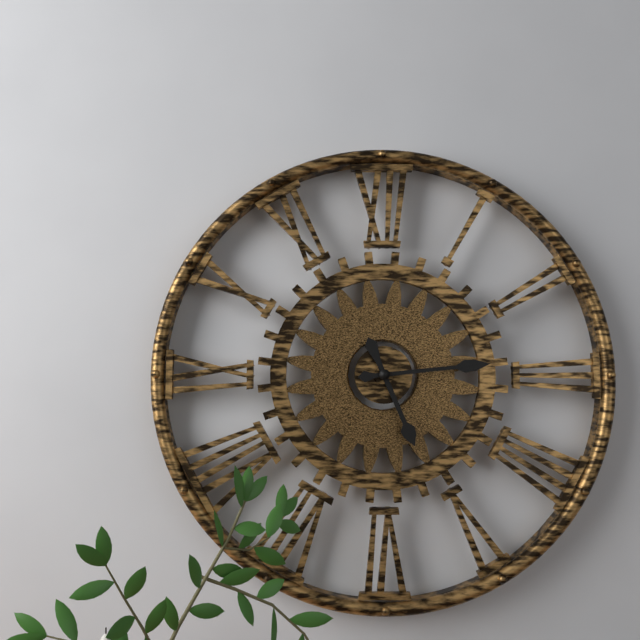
5:14
